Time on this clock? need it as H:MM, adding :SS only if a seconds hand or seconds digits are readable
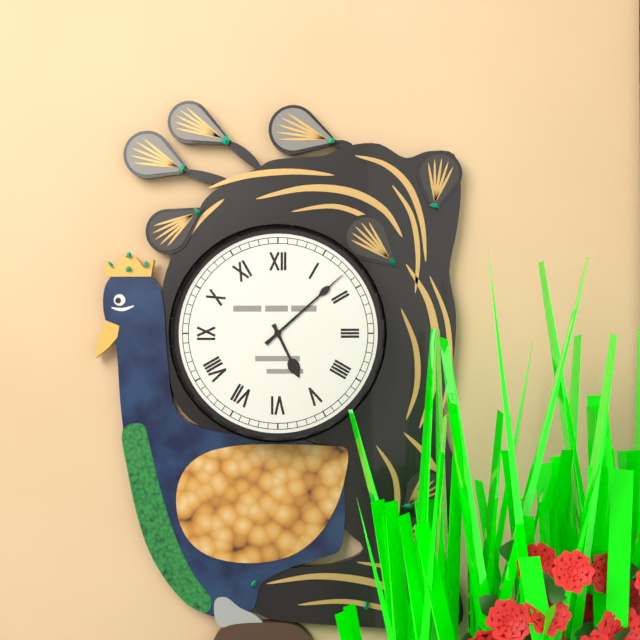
5:08
